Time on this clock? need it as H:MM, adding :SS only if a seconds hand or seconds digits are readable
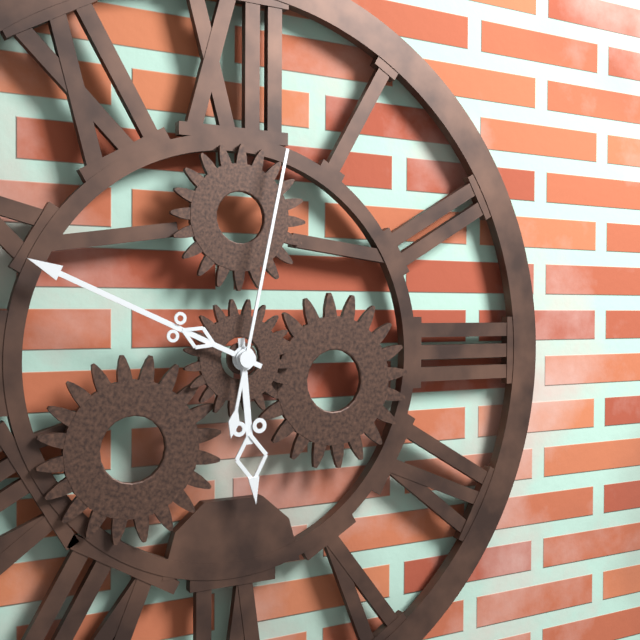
5:49:02
